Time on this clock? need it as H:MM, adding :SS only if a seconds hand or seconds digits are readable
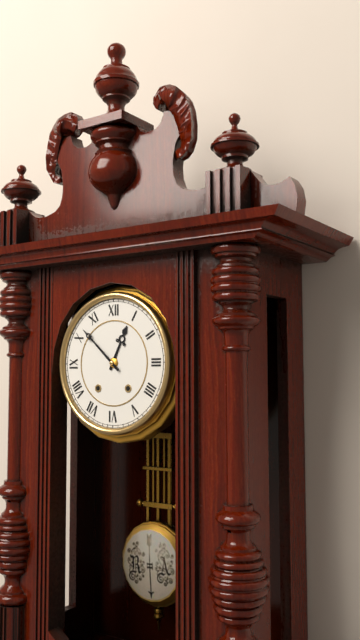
12:52
